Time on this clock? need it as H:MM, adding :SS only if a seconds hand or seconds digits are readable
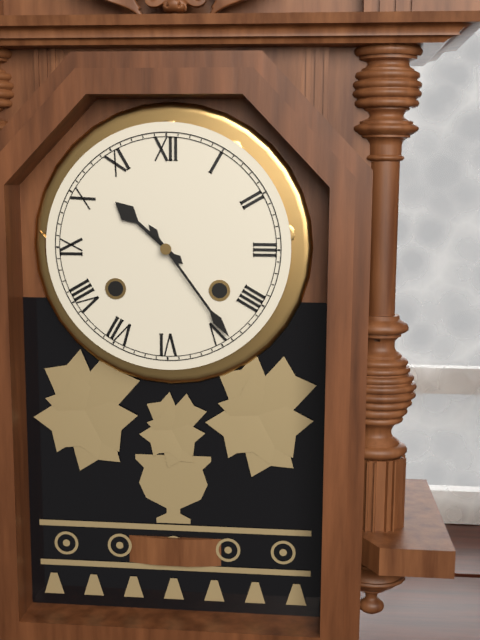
10:24
